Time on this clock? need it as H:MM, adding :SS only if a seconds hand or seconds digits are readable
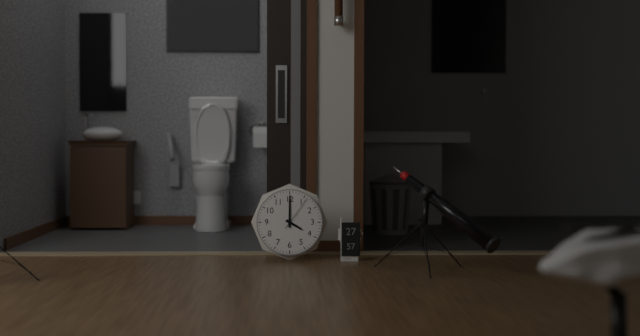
4:00
